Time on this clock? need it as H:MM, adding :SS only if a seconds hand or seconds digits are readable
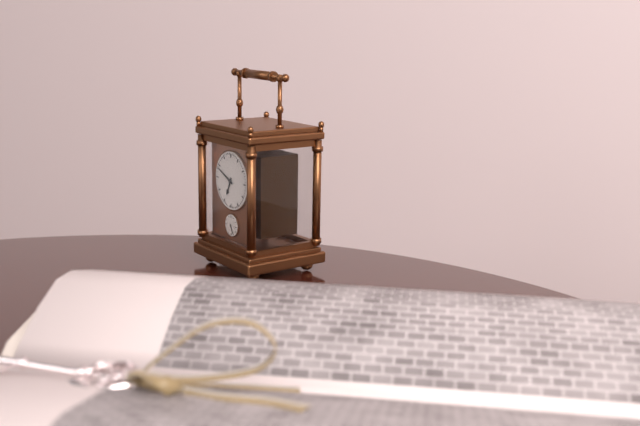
6:49
